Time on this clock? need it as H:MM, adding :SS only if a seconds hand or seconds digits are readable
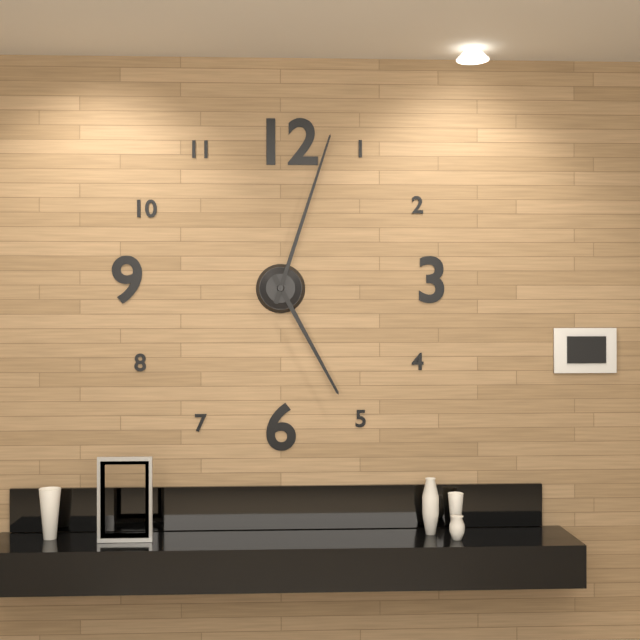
5:03
